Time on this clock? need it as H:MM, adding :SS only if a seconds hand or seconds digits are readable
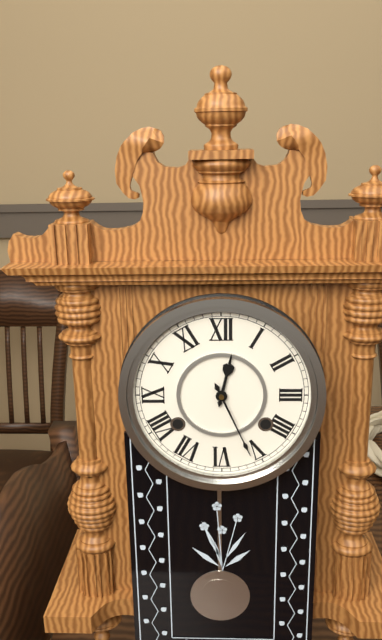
12:26
